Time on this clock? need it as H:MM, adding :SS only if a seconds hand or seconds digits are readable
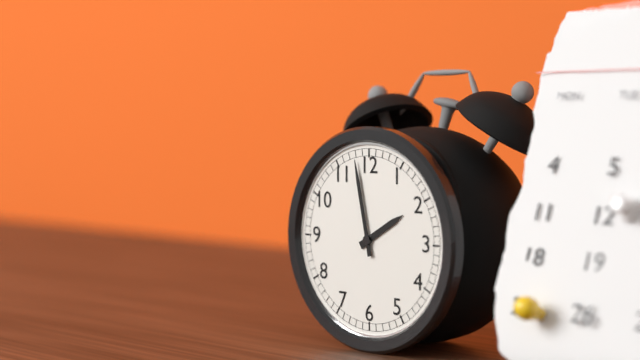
1:58
